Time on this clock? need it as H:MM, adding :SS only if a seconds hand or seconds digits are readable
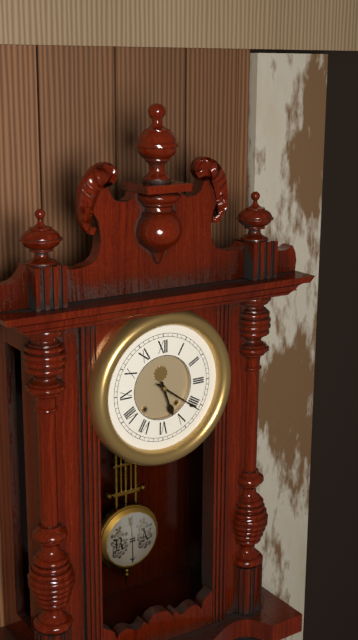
5:21
